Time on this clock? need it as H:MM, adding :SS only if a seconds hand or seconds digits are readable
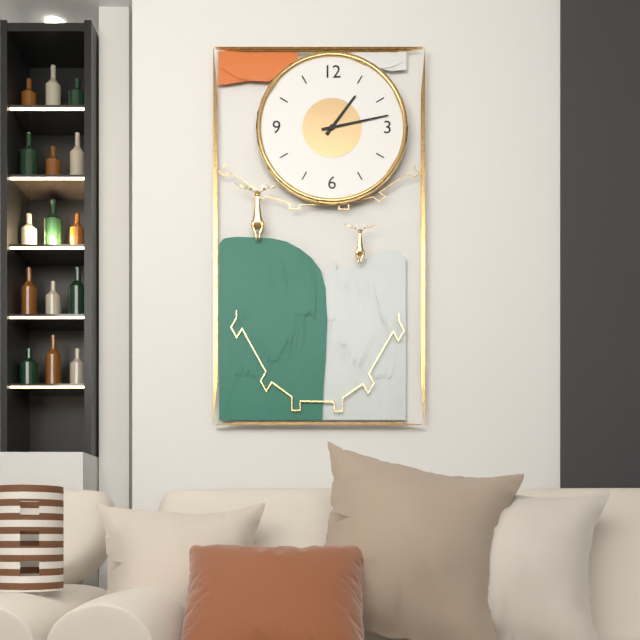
1:13
